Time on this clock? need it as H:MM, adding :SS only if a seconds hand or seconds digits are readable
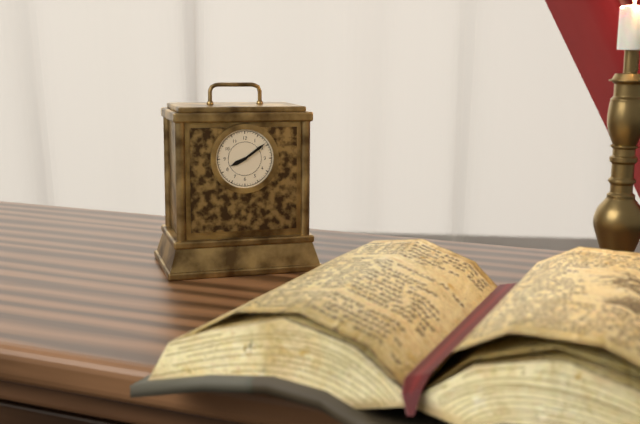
8:09
